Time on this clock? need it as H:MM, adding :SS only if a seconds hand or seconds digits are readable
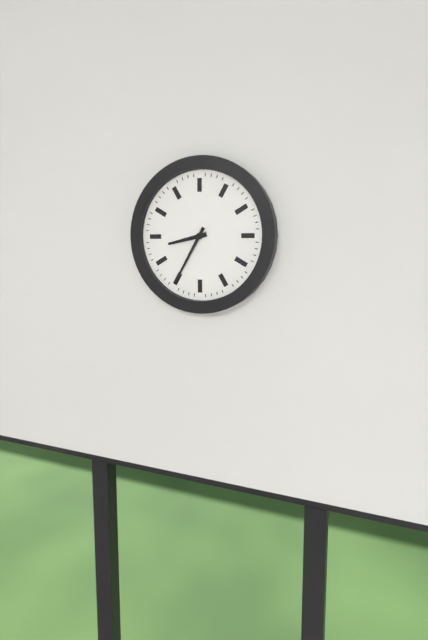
8:35
